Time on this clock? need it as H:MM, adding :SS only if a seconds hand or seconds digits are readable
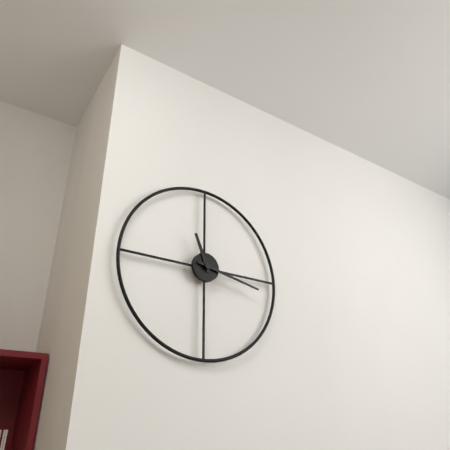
11:17
